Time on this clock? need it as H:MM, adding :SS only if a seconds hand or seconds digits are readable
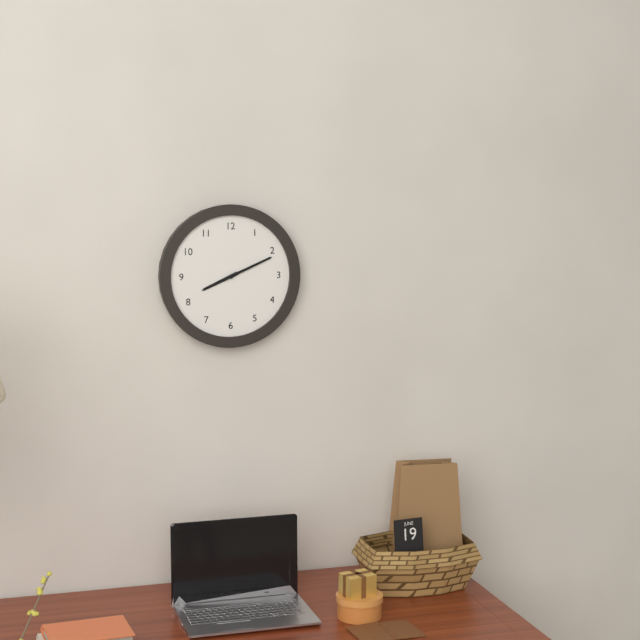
8:11
